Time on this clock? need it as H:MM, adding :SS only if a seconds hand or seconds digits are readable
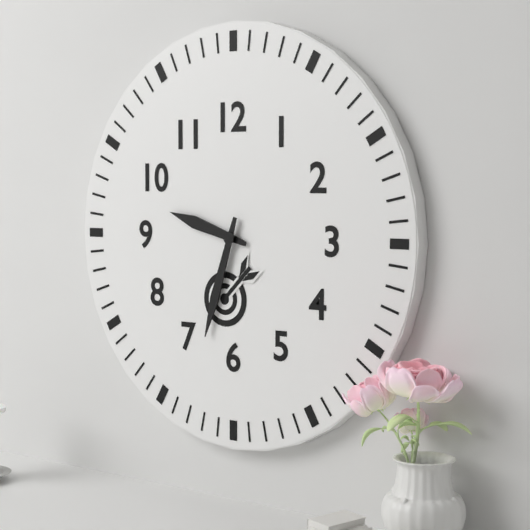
9:33
